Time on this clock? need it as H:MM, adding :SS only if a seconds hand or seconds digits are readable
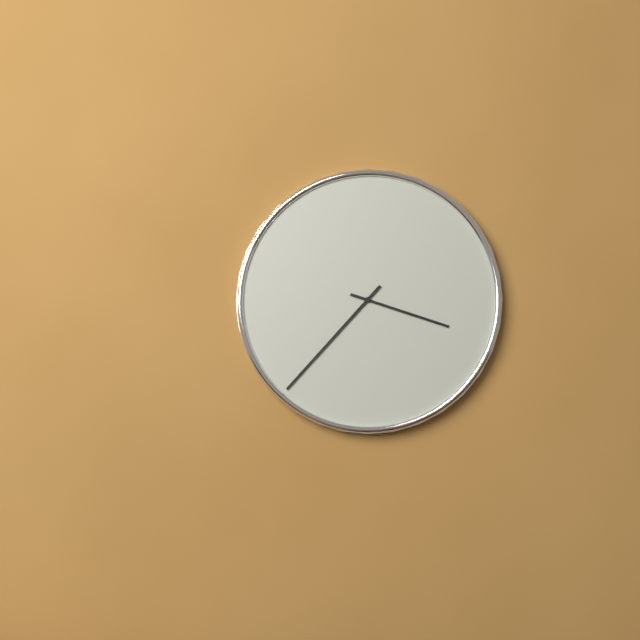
3:37
